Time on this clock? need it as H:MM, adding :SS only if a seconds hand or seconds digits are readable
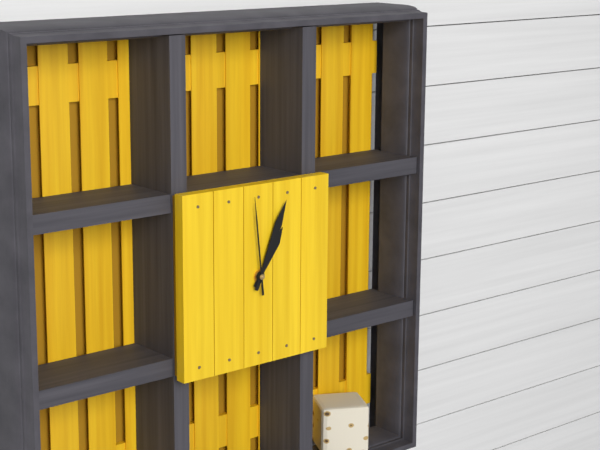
1:04:59
